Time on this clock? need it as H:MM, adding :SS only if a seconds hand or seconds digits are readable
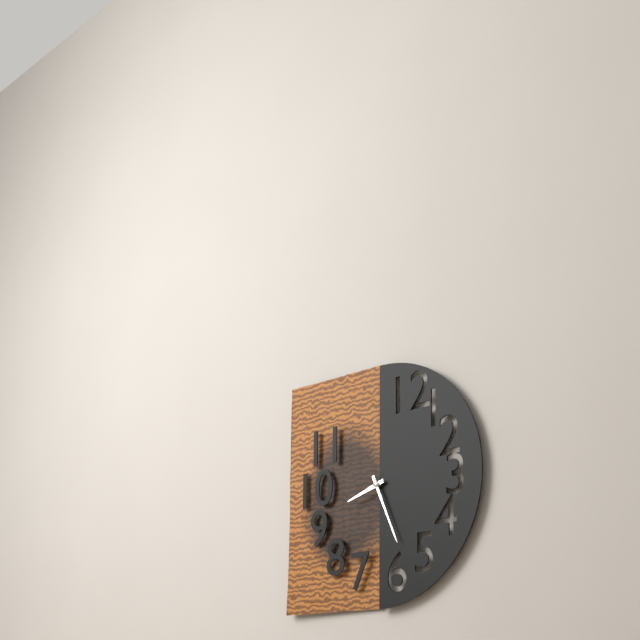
8:26
